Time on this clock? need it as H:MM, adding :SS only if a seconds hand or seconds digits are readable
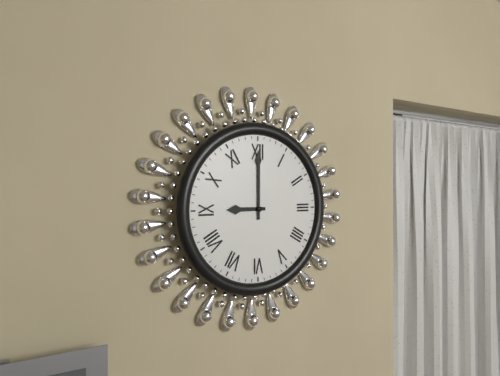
9:00
